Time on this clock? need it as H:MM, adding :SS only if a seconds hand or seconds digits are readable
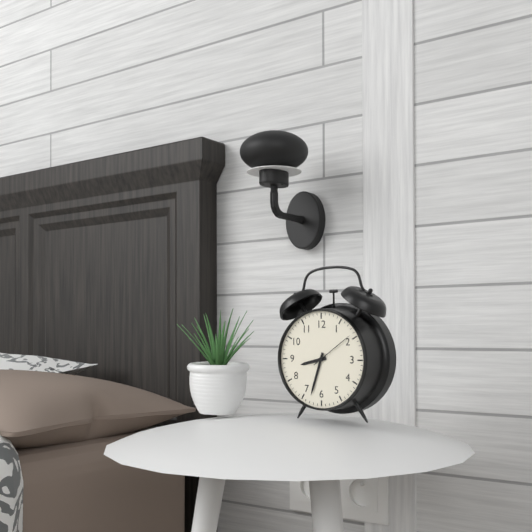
8:33
